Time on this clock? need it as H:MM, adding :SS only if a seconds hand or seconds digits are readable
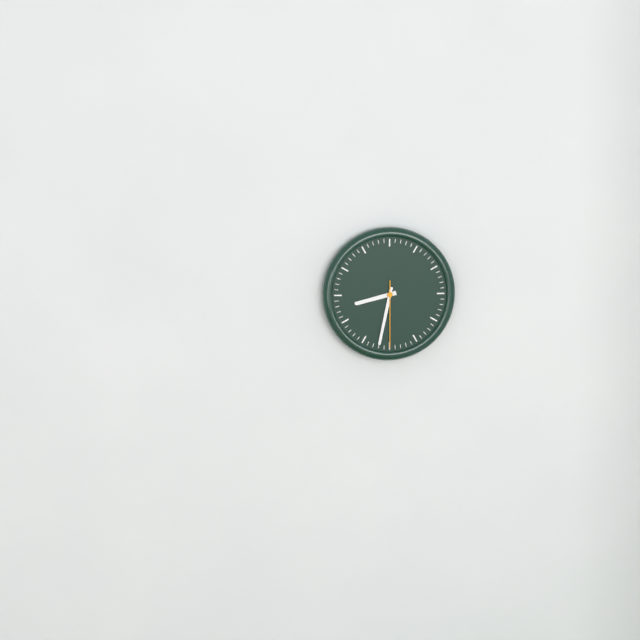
8:32:30
